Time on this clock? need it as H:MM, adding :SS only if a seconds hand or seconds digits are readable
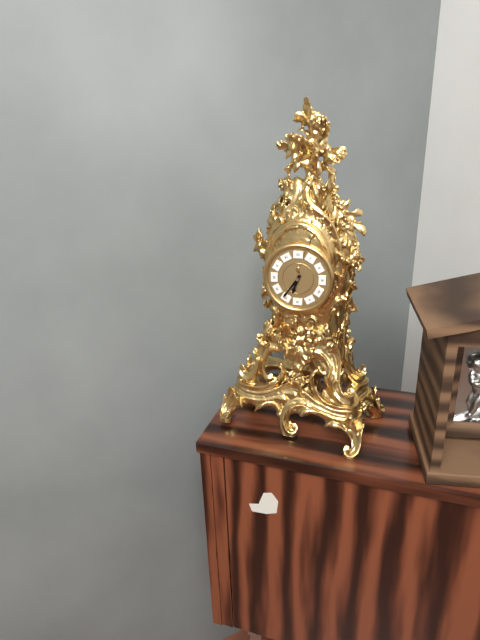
6:36
